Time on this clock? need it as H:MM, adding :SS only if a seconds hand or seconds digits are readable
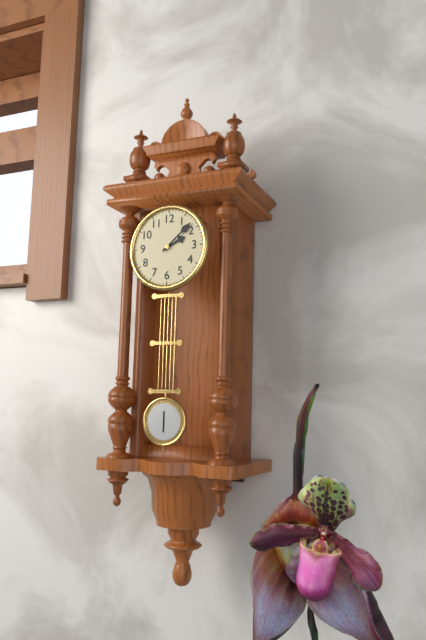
2:08
